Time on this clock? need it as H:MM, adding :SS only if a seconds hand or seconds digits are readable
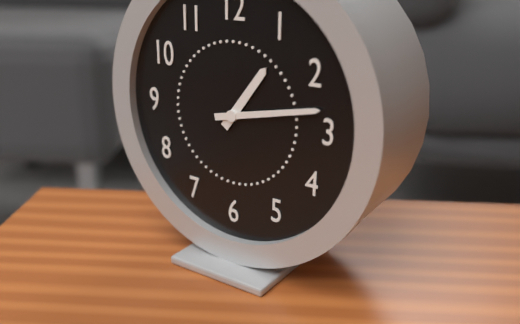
1:13
